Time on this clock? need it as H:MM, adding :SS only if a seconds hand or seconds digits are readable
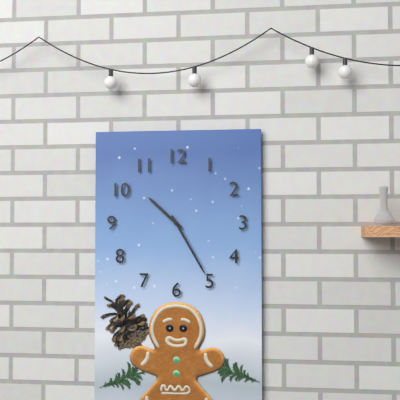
10:25
